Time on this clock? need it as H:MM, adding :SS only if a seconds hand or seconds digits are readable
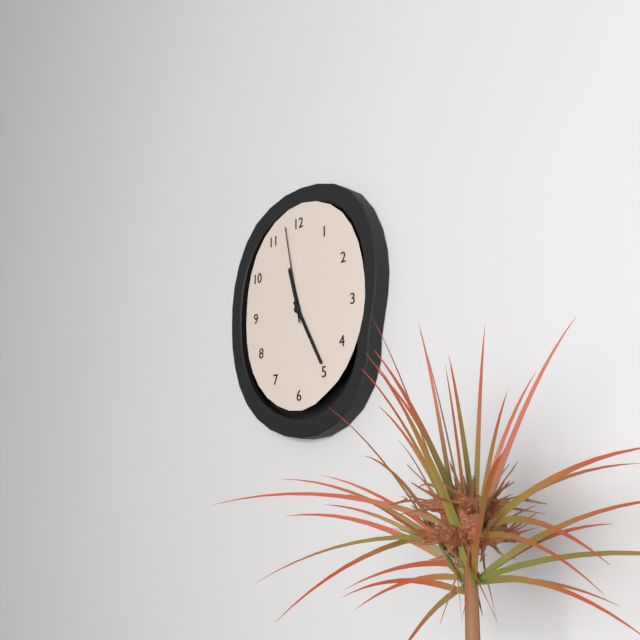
11:25:58
